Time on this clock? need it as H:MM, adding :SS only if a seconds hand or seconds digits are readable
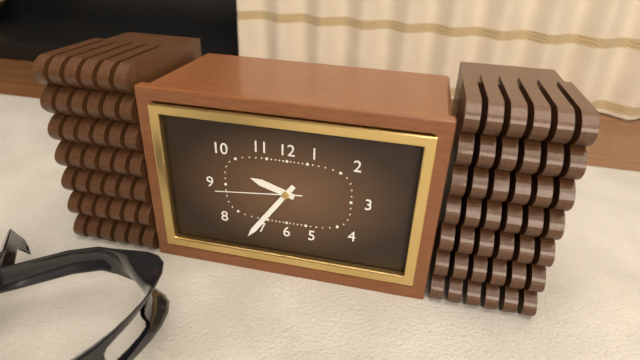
9:36:44
